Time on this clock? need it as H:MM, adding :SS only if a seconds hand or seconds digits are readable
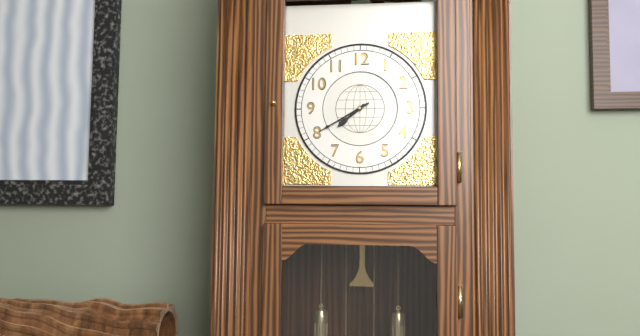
7:40
